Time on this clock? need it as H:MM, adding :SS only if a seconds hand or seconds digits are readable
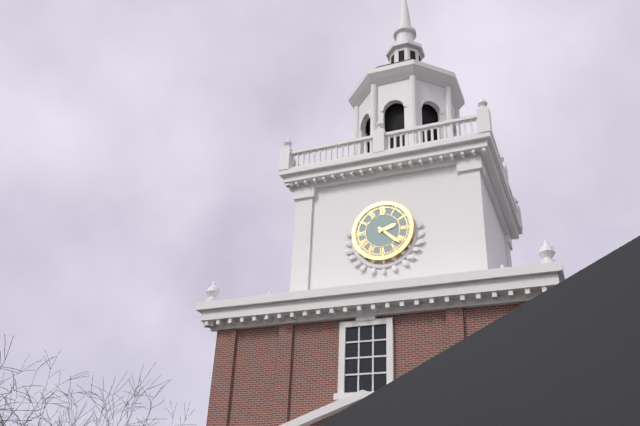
2:22
